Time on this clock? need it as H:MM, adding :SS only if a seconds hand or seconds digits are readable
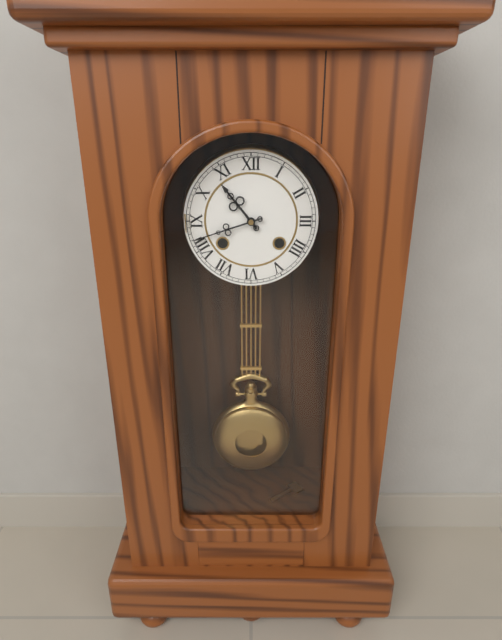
10:42
